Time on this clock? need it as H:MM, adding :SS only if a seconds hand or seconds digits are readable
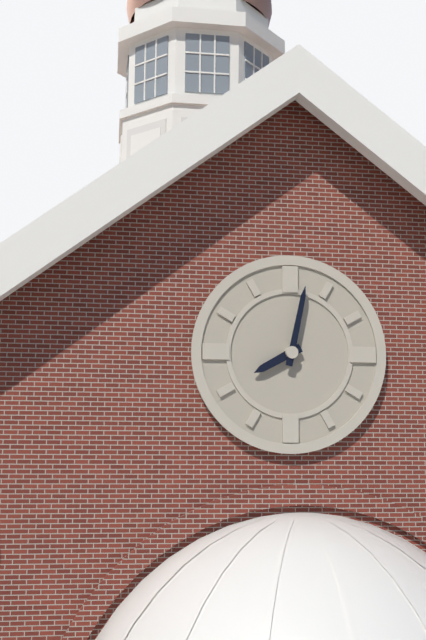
8:02
